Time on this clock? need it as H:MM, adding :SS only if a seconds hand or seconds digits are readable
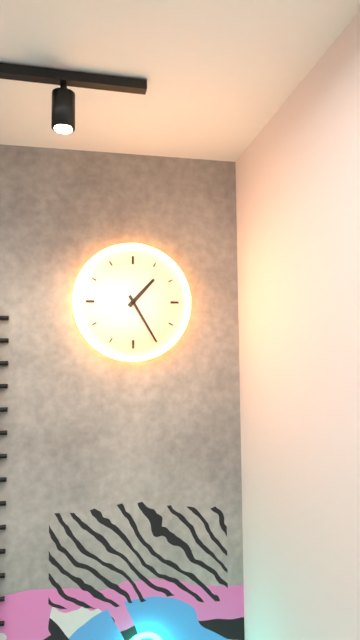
1:25
